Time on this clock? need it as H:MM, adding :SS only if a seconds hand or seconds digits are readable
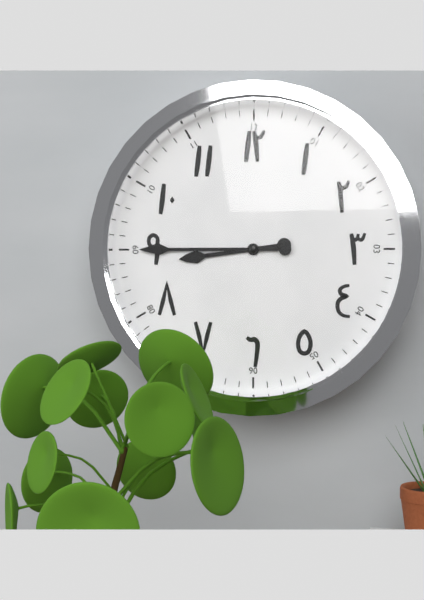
8:45
